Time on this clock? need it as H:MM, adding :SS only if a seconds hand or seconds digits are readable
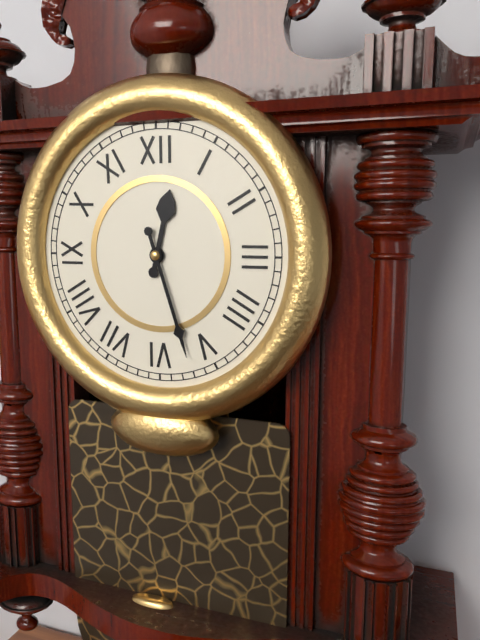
12:27
